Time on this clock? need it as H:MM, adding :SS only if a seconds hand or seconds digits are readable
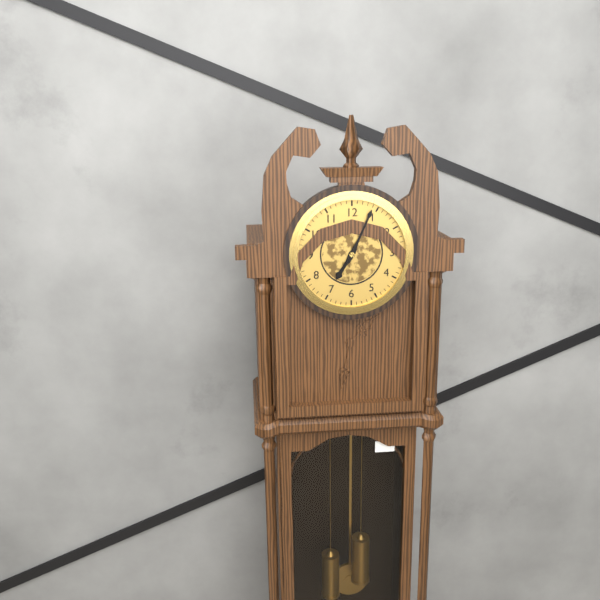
7:04
